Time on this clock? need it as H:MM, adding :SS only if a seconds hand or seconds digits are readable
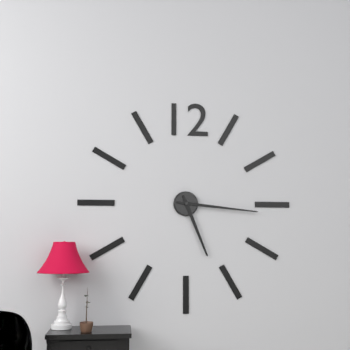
5:16
